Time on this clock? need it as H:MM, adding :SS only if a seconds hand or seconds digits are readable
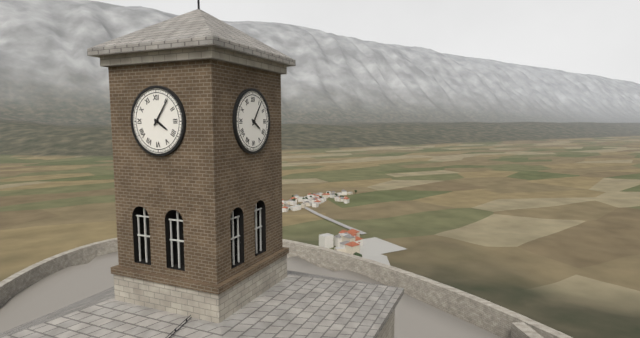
4:06
